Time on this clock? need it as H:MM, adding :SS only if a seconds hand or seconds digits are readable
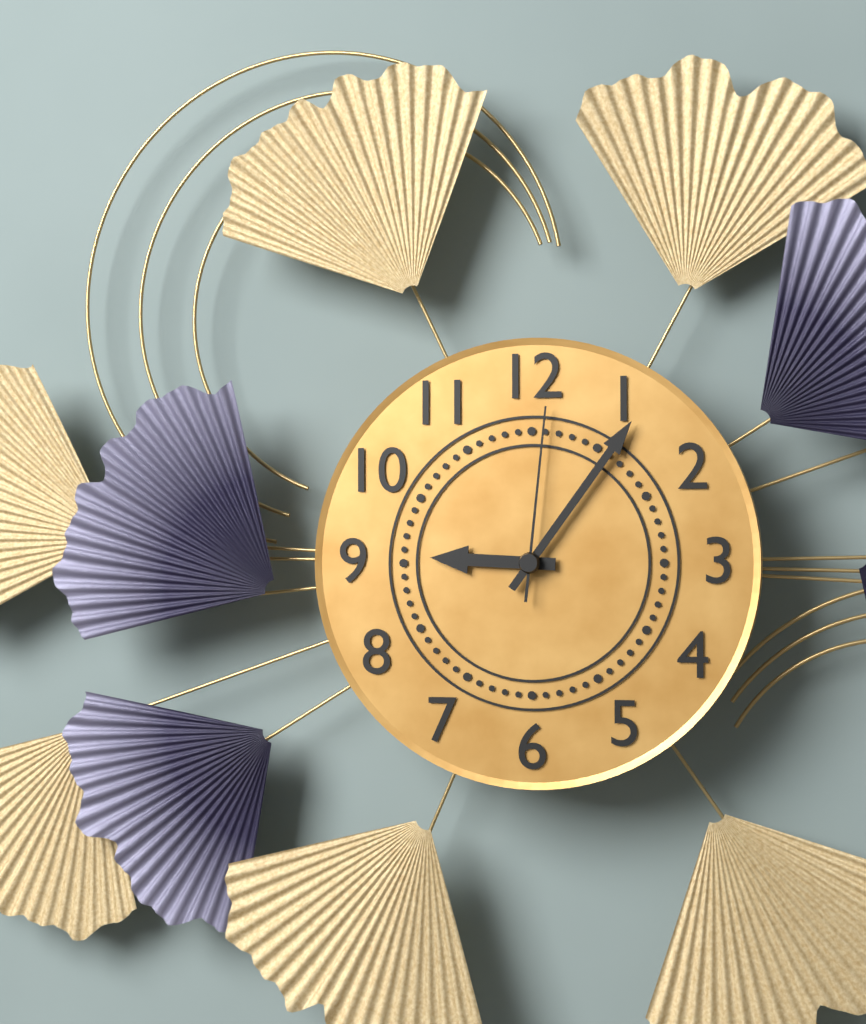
9:06:01
